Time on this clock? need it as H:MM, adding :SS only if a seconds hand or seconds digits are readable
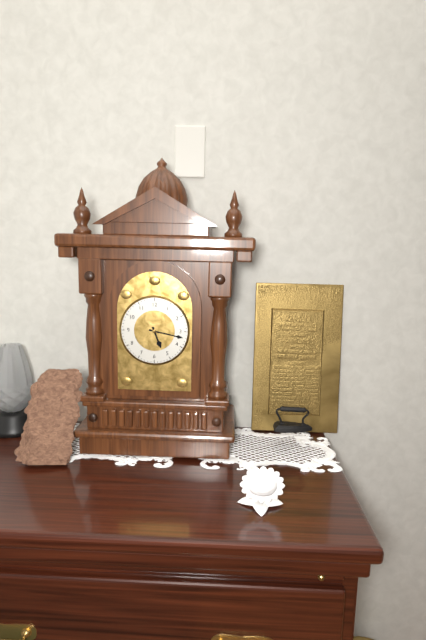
5:17
